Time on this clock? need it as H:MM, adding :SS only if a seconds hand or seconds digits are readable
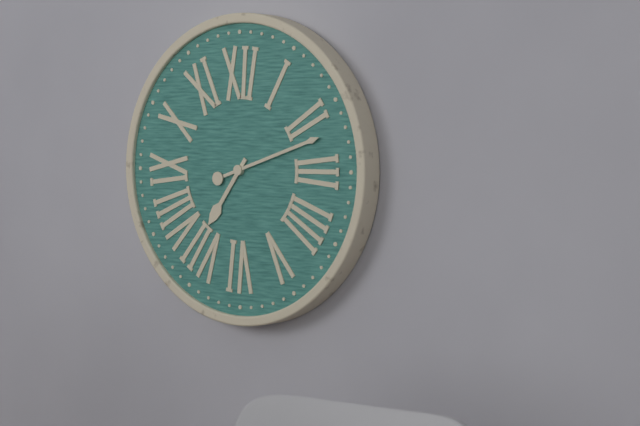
7:12
